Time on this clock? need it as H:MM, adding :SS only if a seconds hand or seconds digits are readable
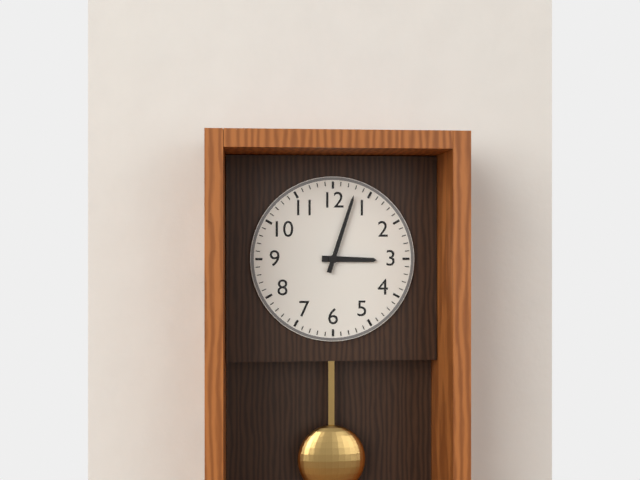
3:03
